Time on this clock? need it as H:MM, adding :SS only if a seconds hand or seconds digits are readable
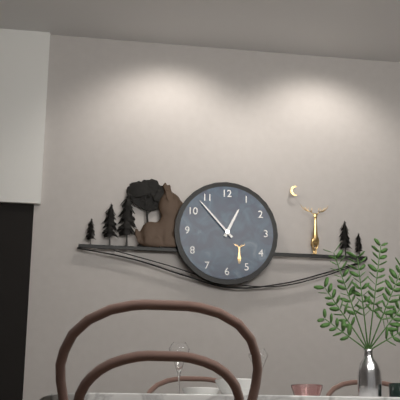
12:53
